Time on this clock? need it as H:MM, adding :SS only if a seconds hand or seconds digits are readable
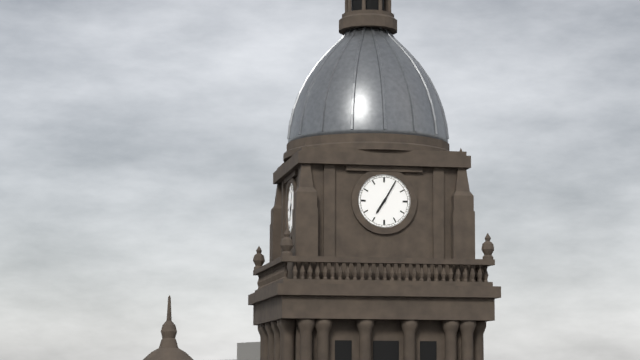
7:05
